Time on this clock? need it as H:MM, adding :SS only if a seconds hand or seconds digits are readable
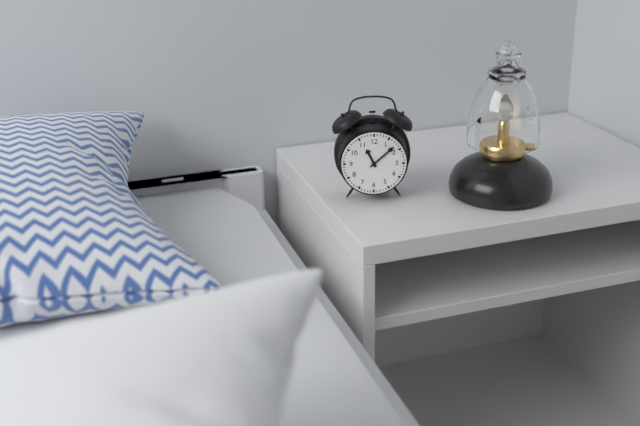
11:08
